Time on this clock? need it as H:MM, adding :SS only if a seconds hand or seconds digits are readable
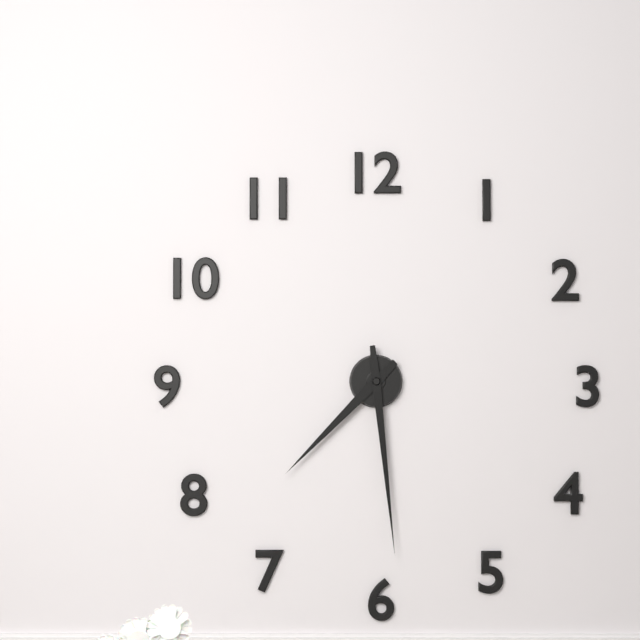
7:29
